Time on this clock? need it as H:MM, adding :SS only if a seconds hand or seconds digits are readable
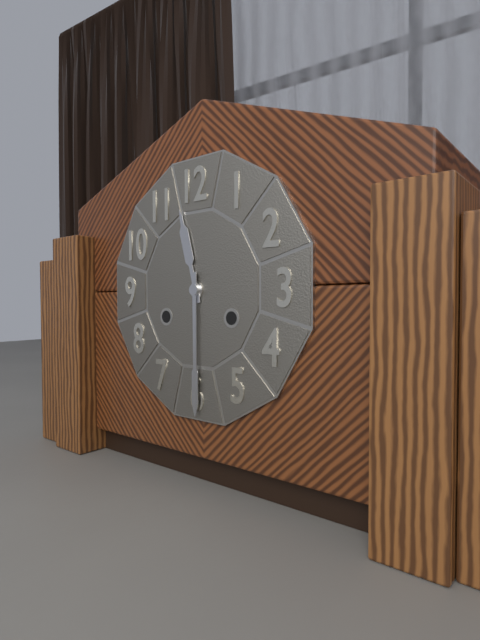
11:30
